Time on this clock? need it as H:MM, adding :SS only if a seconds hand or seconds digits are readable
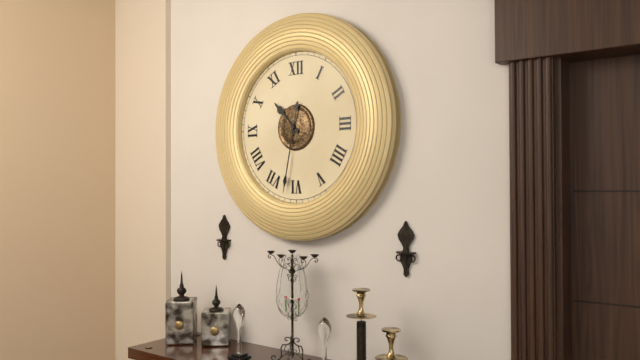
10:32
